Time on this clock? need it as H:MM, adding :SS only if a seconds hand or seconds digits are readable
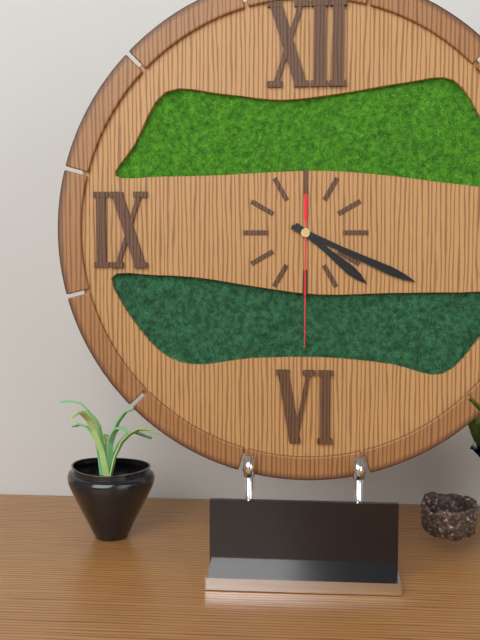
4:19:30
